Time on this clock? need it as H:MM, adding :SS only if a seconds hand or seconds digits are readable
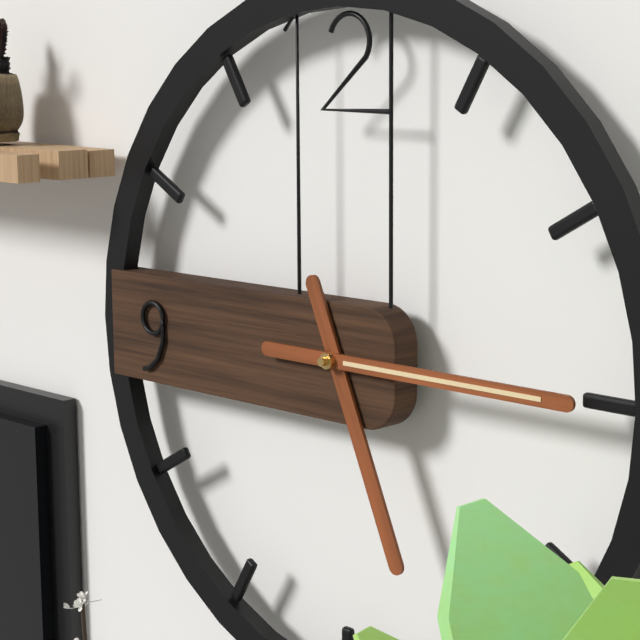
5:15
